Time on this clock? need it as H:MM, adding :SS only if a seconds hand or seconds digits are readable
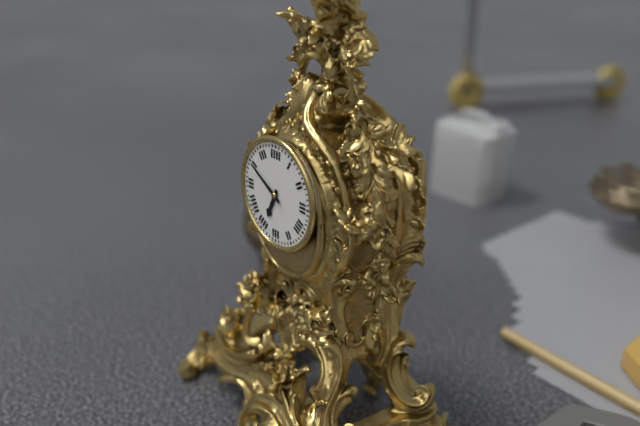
6:50
